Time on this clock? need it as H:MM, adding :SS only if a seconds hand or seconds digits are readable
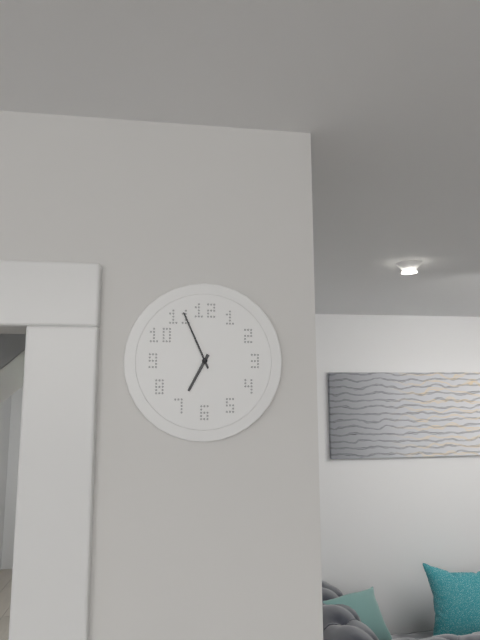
6:56
